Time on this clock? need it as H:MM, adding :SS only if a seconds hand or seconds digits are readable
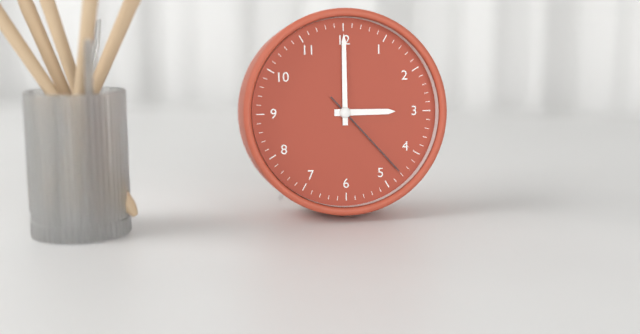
3:00:23
